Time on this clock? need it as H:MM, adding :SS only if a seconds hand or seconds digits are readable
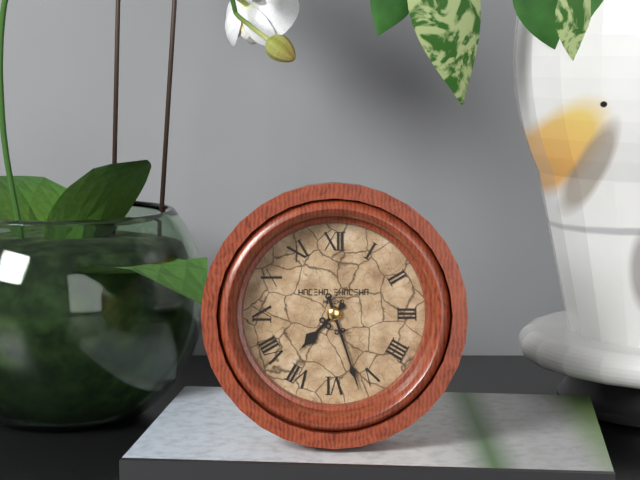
7:27
